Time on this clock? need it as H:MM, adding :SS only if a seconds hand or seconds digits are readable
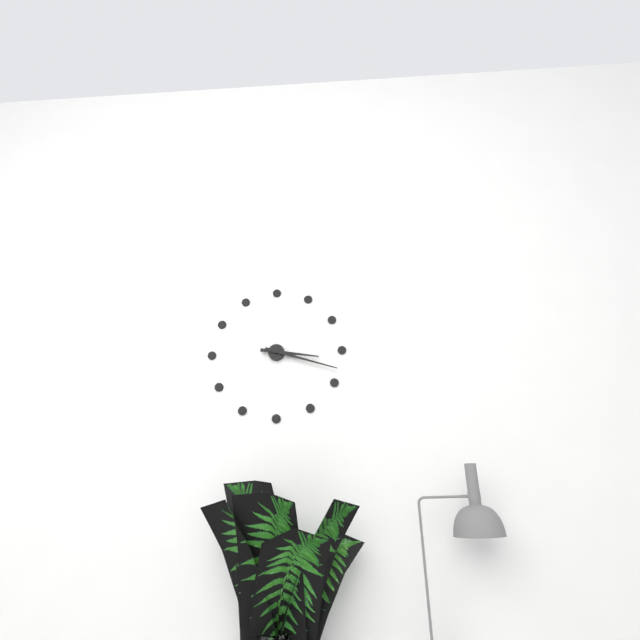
3:18
